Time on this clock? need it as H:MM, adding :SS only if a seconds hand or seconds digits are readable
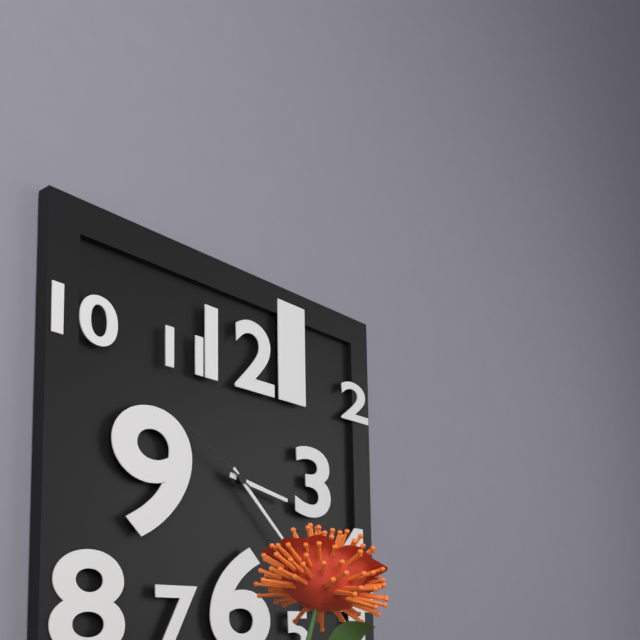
3:22:50
